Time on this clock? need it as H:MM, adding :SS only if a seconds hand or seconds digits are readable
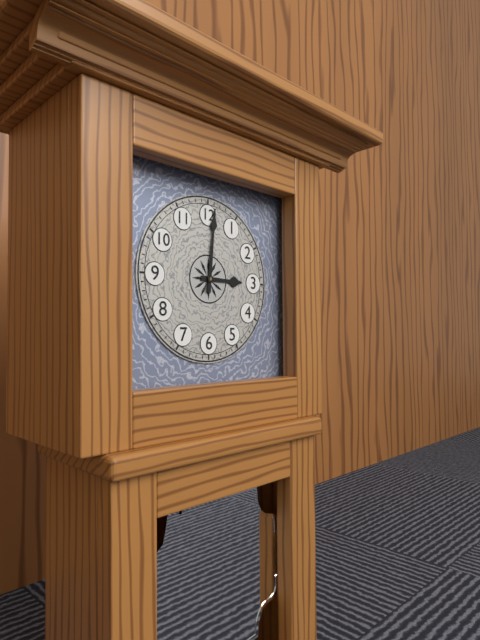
3:01
